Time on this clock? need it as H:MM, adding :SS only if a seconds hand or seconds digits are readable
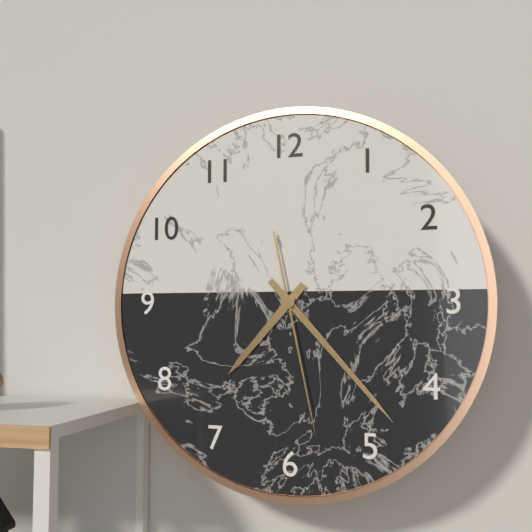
7:23:28
